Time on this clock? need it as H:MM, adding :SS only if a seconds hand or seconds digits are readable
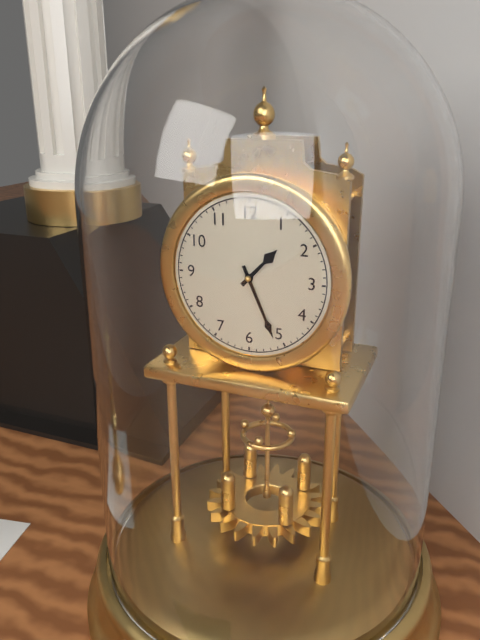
1:26
